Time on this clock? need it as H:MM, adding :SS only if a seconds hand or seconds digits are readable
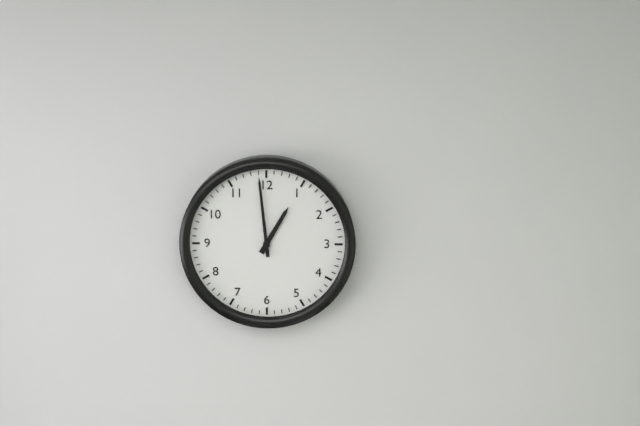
12:59
